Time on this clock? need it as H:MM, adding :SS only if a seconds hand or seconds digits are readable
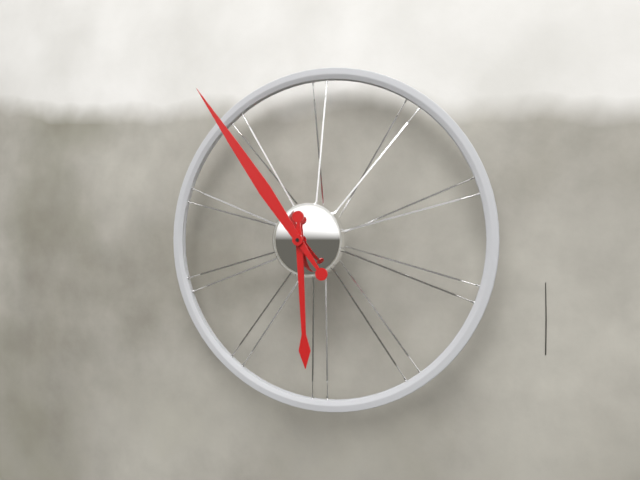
5:54
